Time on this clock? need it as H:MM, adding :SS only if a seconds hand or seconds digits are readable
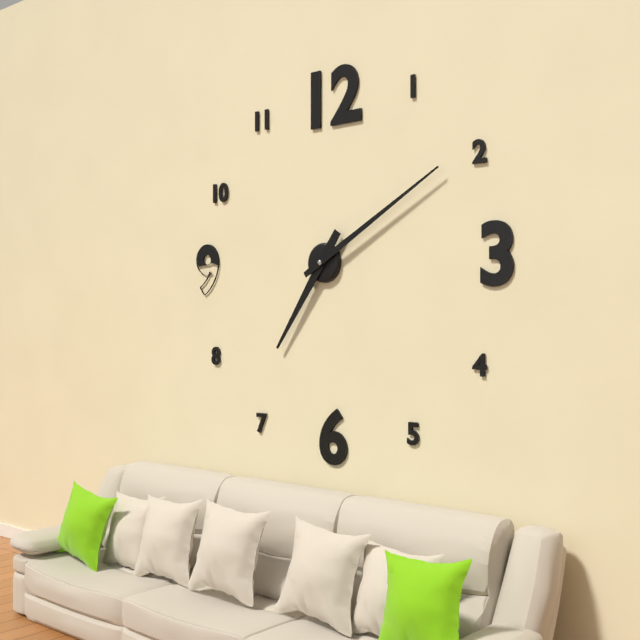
7:10
